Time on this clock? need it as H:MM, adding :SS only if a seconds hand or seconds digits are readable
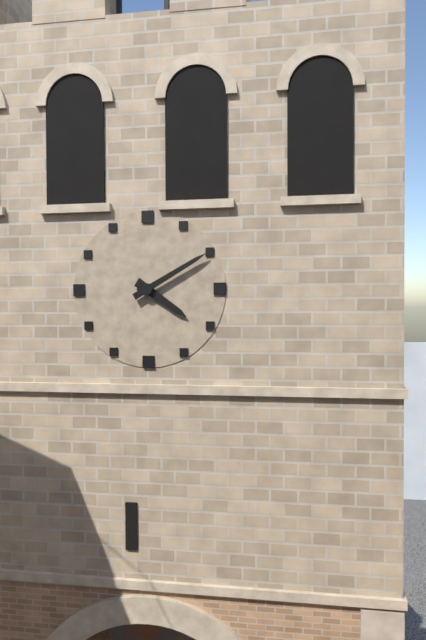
4:10
